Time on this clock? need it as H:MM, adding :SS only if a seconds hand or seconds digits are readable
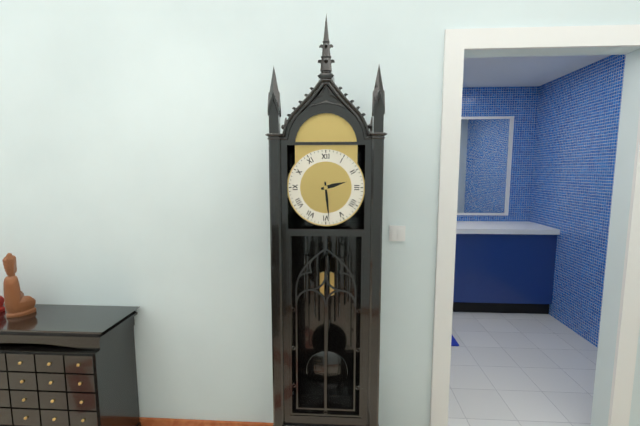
2:29
